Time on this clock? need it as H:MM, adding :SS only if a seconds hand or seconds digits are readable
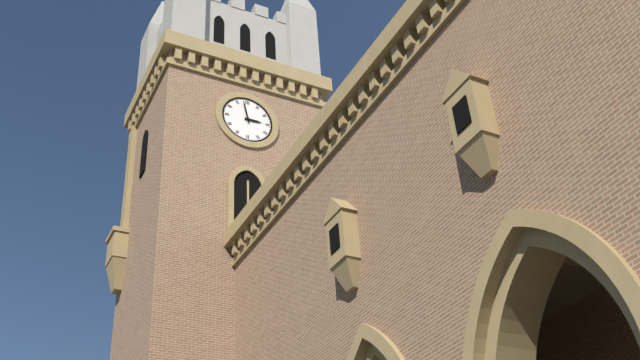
2:58
